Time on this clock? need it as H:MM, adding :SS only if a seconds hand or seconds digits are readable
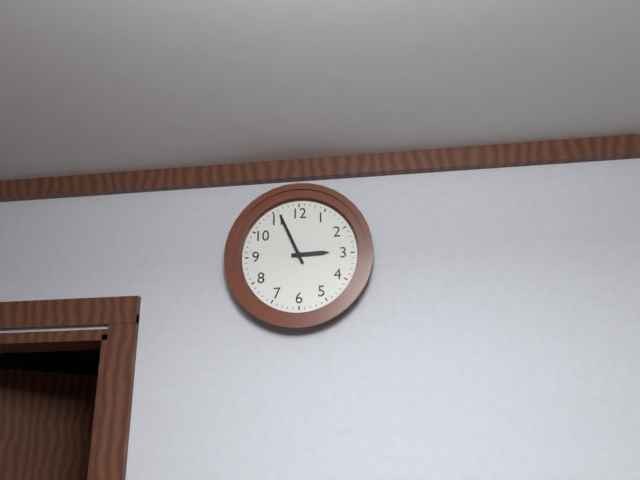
2:56
